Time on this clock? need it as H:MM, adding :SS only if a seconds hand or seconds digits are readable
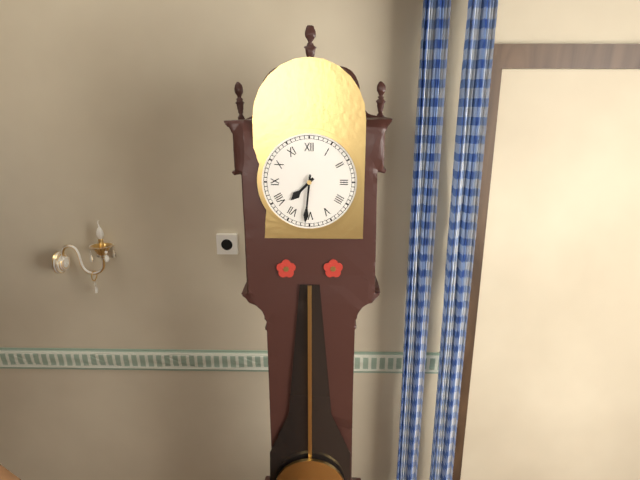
7:31
